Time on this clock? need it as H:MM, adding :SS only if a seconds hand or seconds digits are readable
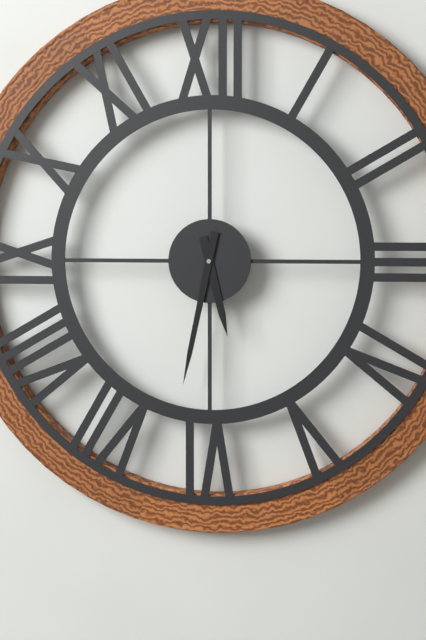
5:32
